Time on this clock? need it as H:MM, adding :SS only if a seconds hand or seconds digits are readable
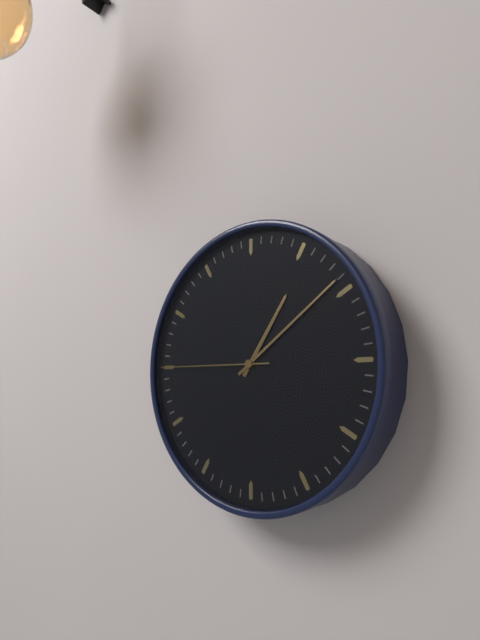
1:09:45
